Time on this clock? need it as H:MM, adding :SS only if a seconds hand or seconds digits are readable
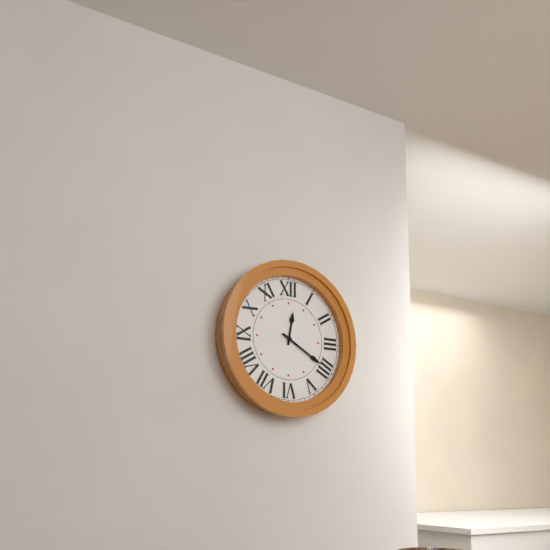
12:20
